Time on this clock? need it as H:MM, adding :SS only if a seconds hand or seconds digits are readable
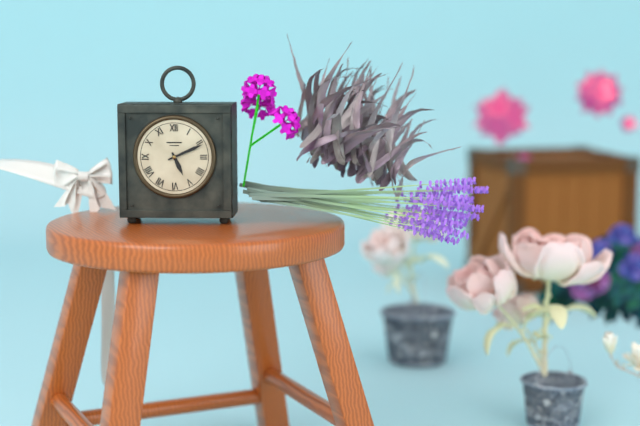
5:11
